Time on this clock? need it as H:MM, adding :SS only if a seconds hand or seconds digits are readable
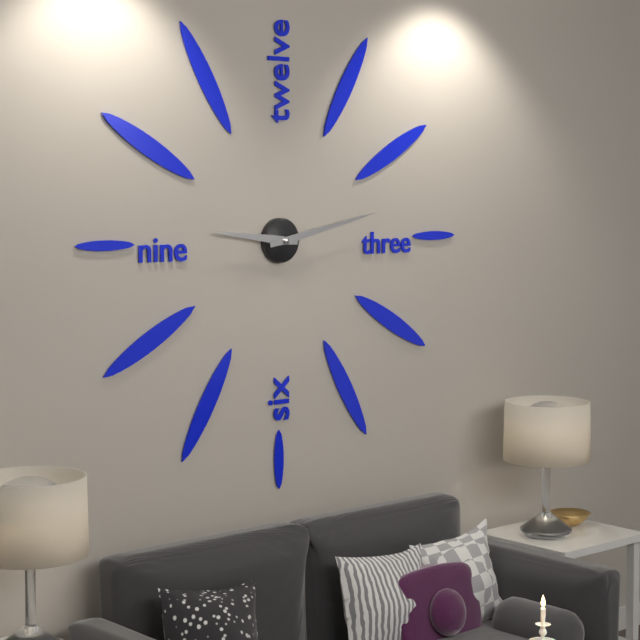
9:13
